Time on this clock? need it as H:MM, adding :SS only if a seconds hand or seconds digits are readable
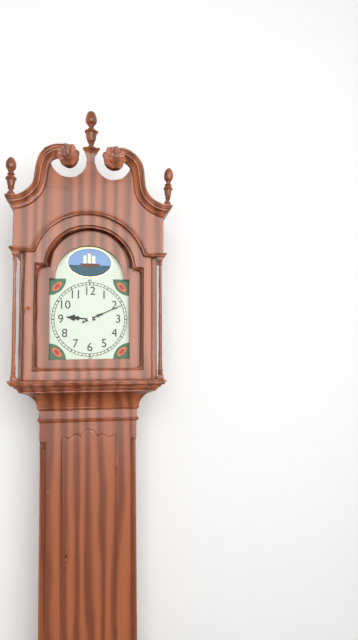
9:11
